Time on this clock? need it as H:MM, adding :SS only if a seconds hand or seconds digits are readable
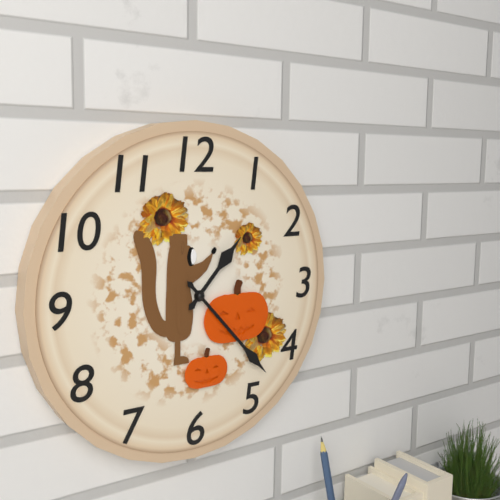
1:23
